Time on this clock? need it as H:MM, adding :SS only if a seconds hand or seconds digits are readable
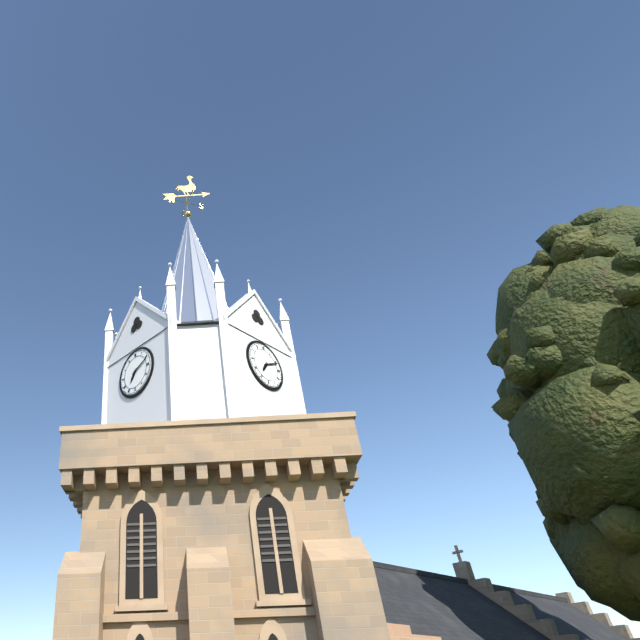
7:11
